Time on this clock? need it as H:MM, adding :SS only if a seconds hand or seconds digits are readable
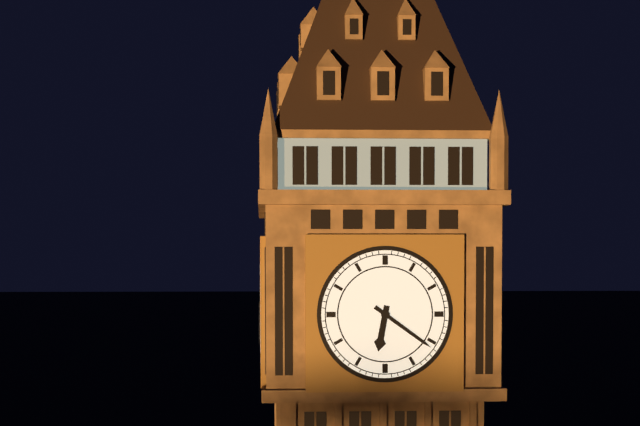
6:21
